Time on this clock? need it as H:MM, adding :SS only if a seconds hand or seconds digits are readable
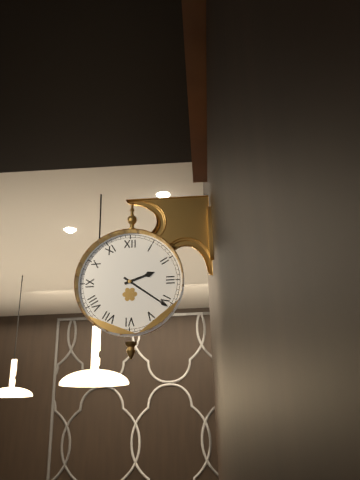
2:21
